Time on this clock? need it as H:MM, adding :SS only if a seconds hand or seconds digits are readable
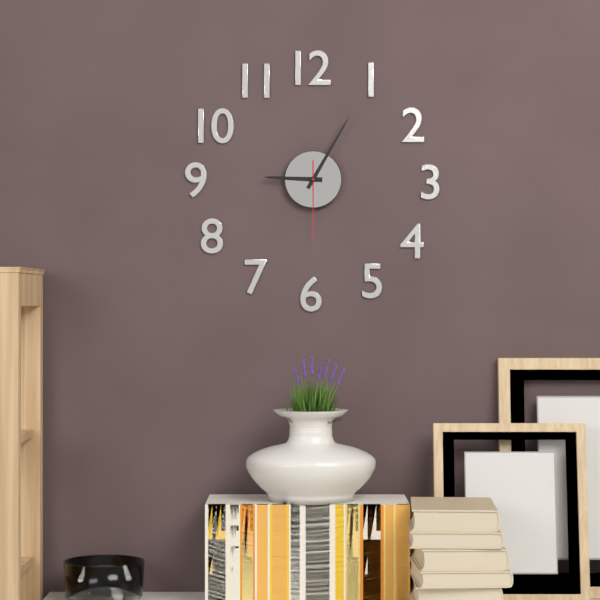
9:05:30
